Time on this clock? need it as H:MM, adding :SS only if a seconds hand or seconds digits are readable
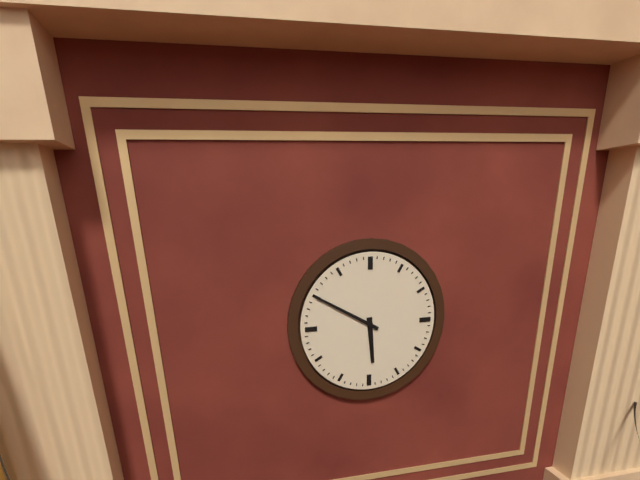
5:50
